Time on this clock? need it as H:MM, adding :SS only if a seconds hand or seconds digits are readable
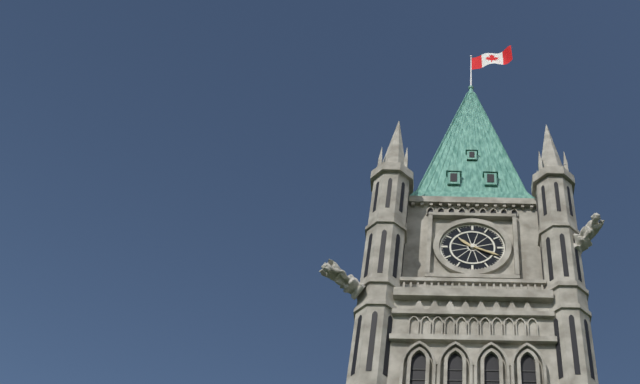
10:19
